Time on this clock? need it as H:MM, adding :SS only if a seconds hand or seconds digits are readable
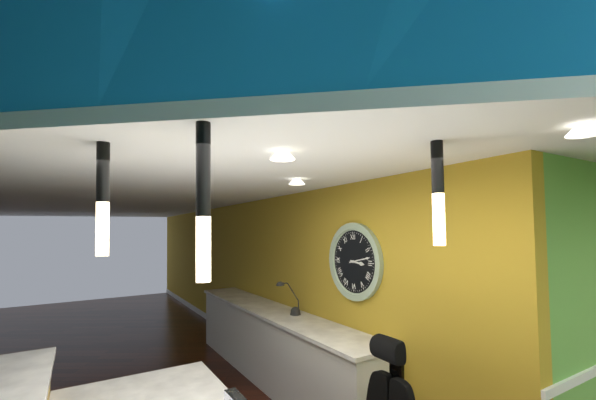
3:13
